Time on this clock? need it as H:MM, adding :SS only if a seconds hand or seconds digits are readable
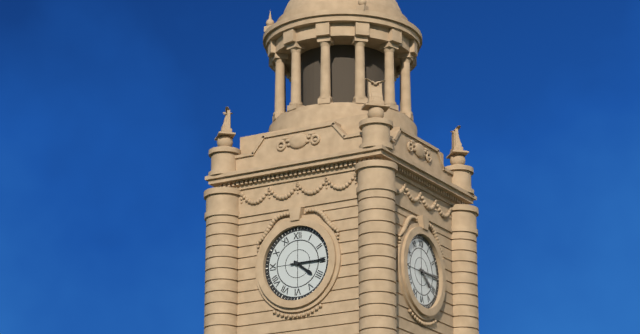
4:15
